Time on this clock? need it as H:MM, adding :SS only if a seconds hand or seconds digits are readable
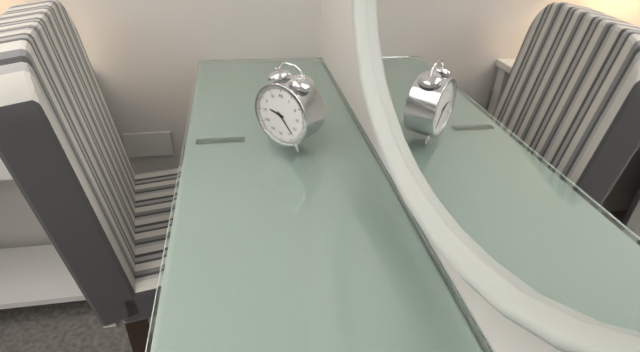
9:23
